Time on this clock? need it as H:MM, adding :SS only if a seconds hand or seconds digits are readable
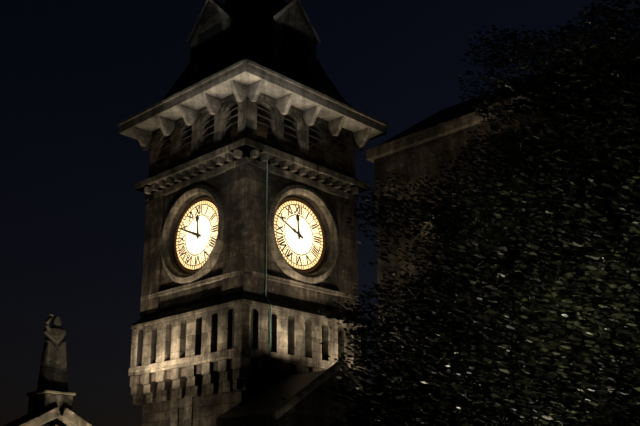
11:49
